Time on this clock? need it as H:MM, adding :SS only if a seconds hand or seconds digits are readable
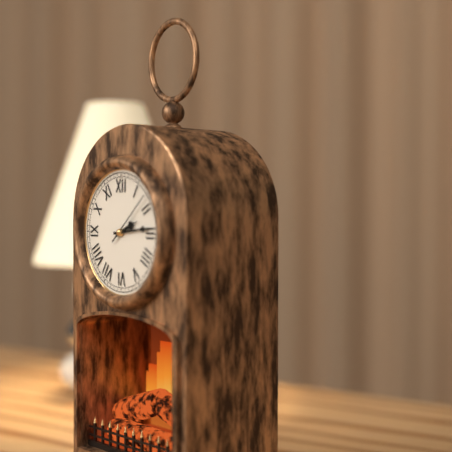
2:14:08
